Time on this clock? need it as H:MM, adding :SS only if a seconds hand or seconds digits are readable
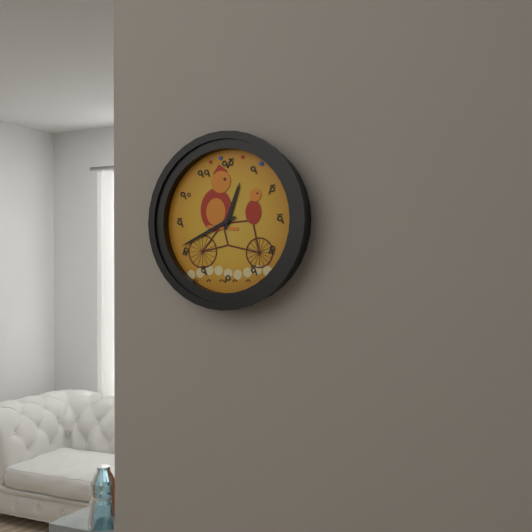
12:41
